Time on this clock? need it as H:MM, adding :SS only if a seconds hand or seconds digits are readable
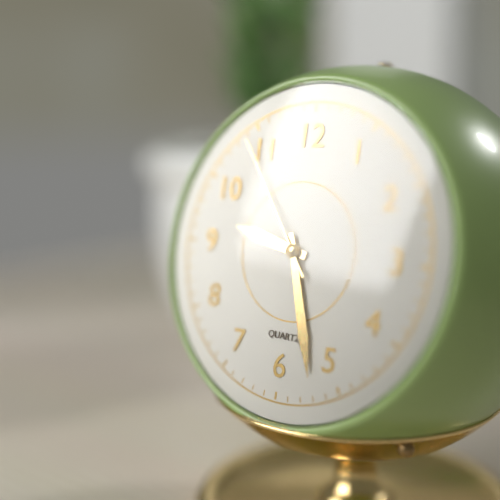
9:27:54
